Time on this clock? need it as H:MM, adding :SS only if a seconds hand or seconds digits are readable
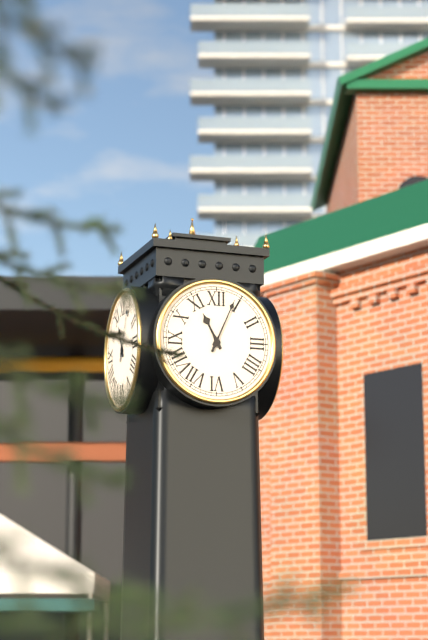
11:04
